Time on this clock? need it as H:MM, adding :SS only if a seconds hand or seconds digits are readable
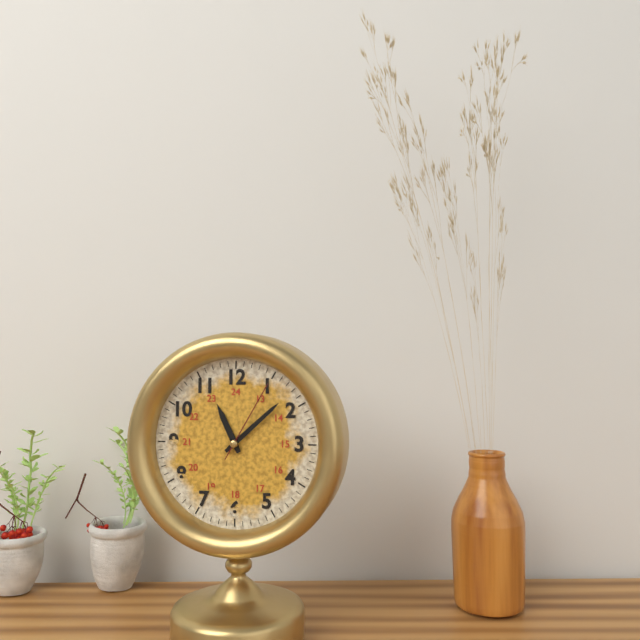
11:08:05
